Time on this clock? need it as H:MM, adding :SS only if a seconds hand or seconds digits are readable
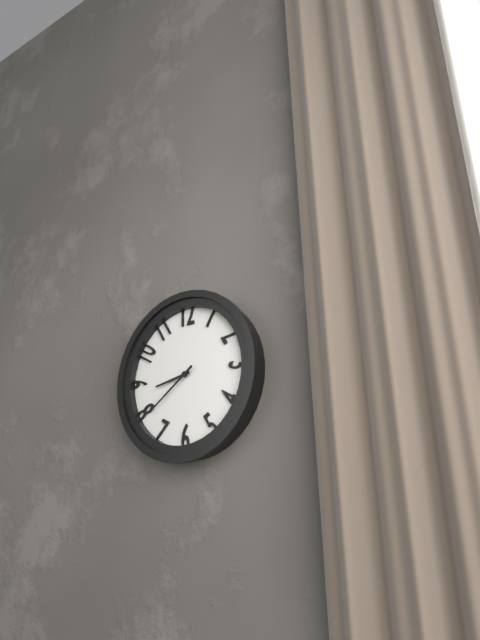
8:39
